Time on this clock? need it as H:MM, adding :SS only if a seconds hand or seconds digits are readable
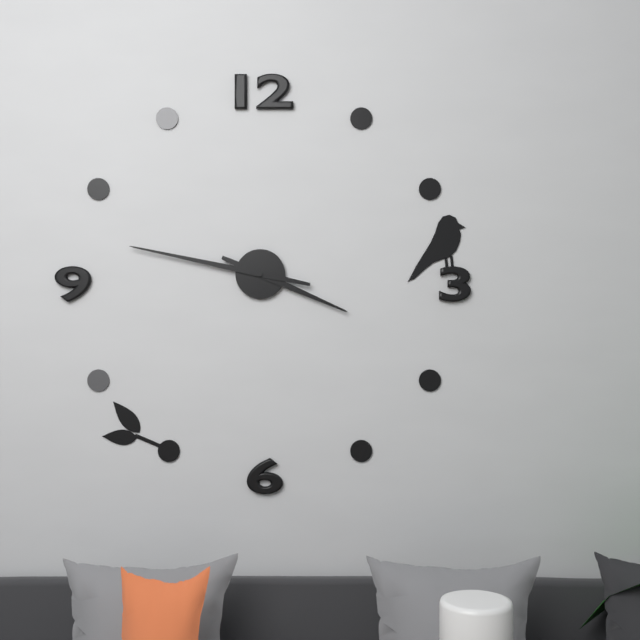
3:47
